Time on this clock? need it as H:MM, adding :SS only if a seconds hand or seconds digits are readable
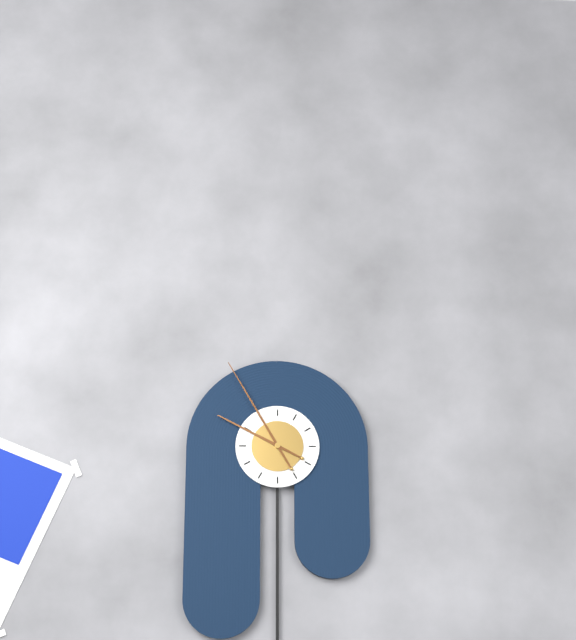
9:55
